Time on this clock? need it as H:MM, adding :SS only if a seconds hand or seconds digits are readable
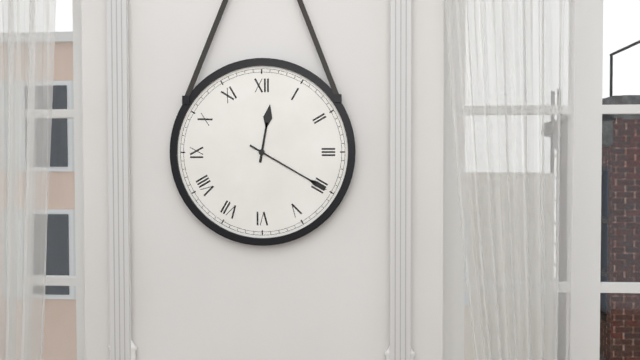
12:20
